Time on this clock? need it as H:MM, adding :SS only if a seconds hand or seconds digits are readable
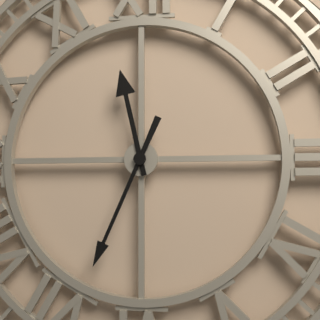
11:34
